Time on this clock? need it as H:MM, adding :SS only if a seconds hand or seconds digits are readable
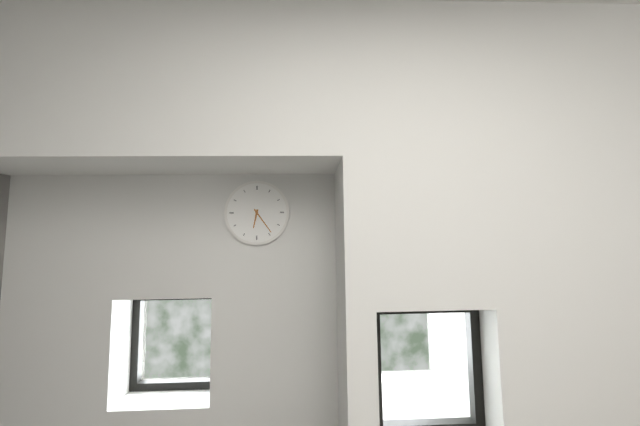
6:24
